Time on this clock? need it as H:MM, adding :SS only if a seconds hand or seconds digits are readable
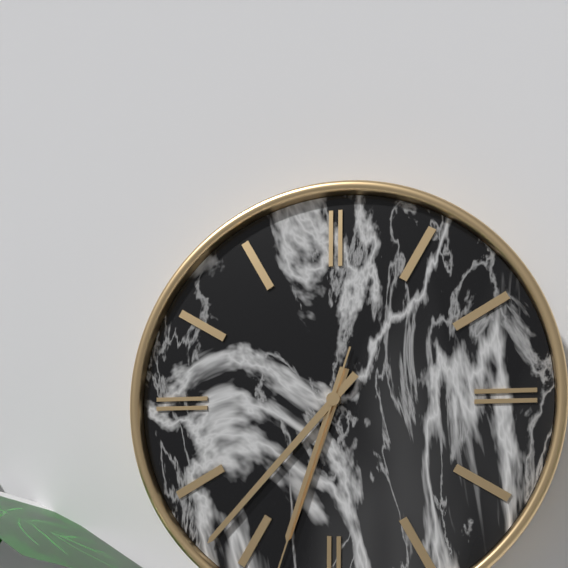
6:37
